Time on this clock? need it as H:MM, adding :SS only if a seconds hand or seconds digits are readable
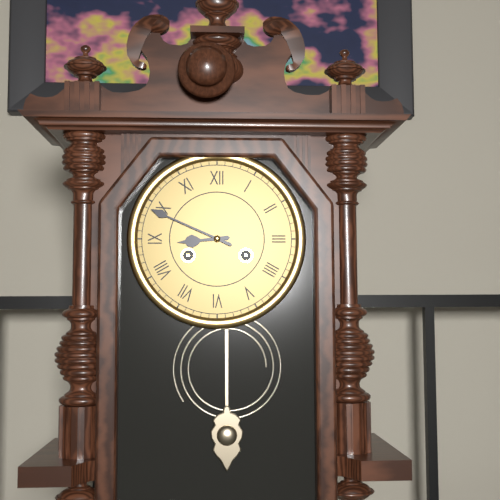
8:49
